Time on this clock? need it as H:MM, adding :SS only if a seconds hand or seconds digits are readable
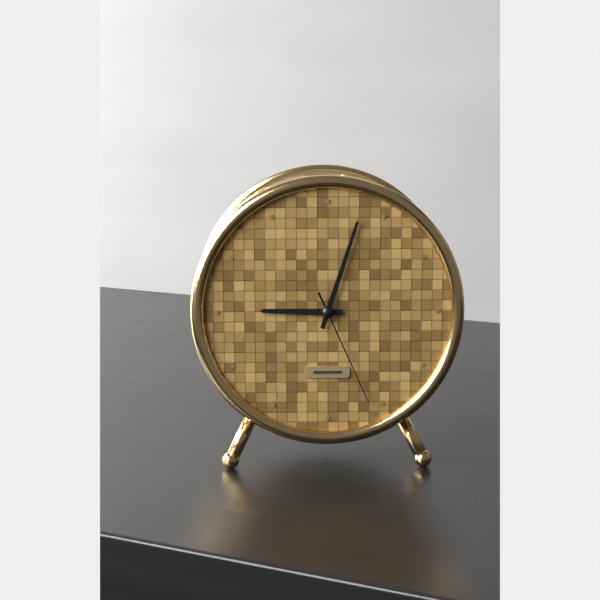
9:03:26
